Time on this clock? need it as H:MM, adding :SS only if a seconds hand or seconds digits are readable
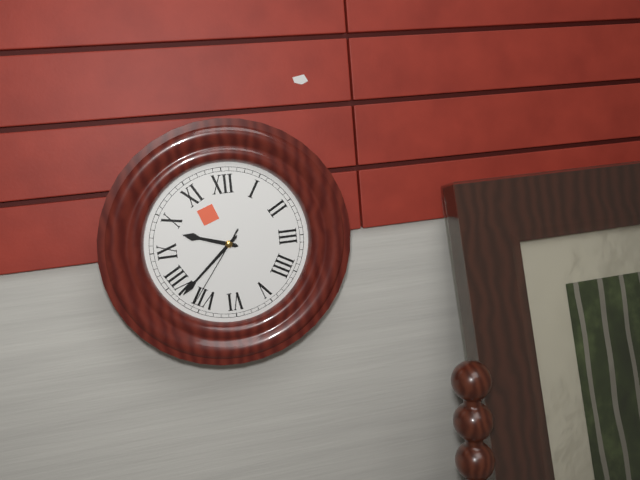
9:38:36
